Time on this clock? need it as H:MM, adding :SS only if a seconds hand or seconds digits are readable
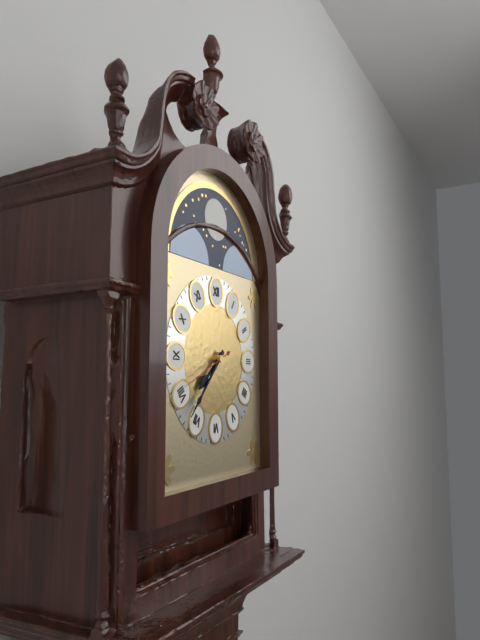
7:37
